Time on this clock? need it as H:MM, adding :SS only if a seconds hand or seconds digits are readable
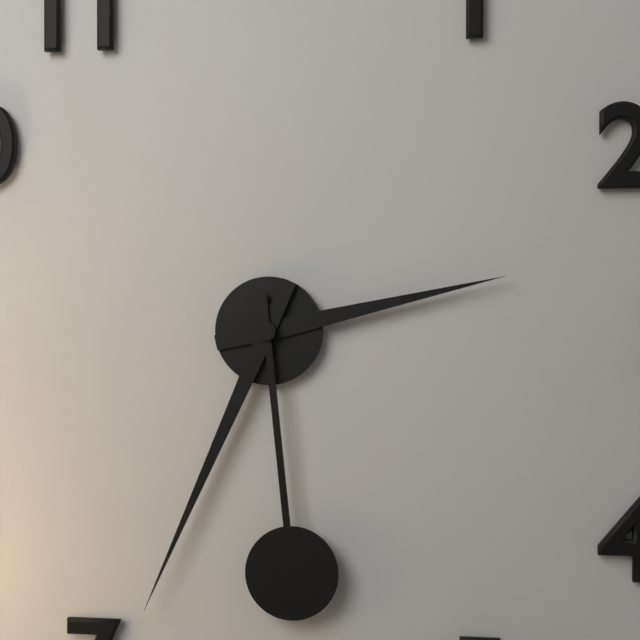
2:34:29
